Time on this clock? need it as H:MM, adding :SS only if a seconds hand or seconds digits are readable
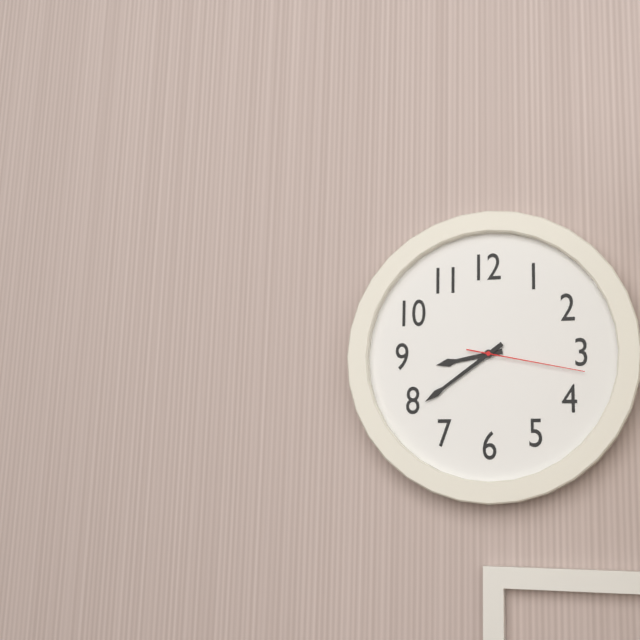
8:39:17
